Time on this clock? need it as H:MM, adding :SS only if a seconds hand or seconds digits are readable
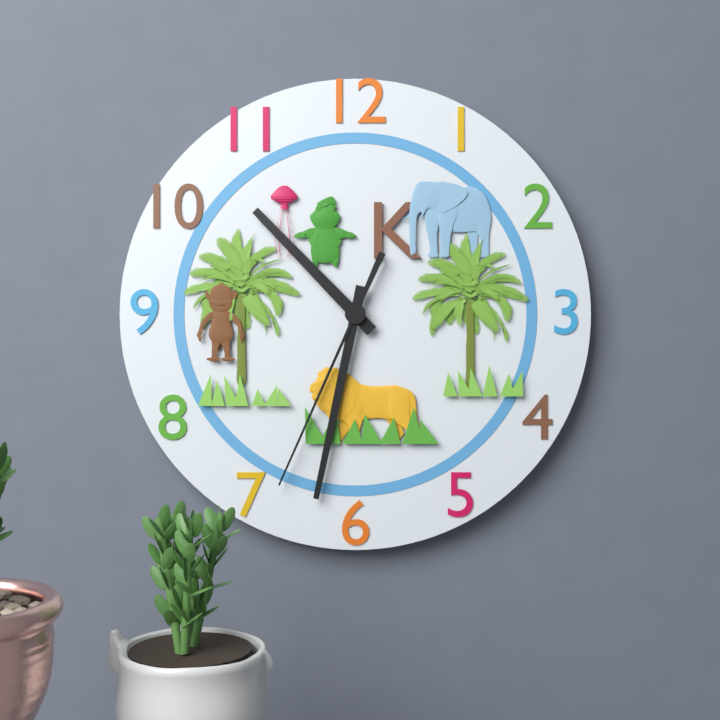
10:32:34
